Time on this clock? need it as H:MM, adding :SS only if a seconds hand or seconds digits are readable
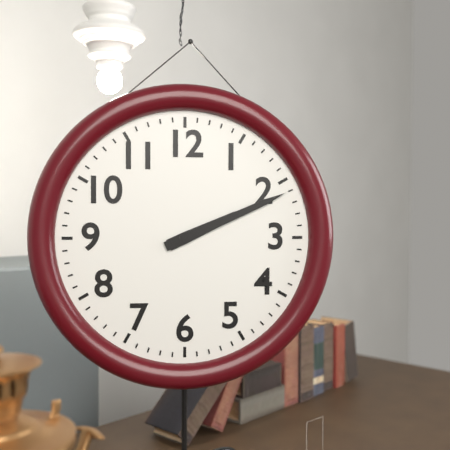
2:11
